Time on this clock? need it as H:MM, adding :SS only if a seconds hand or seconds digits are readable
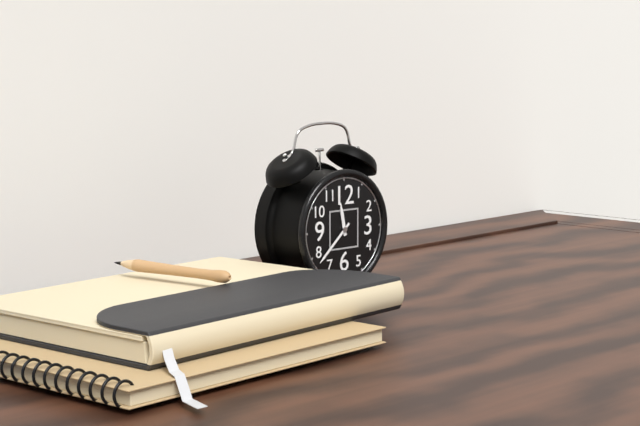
11:38
